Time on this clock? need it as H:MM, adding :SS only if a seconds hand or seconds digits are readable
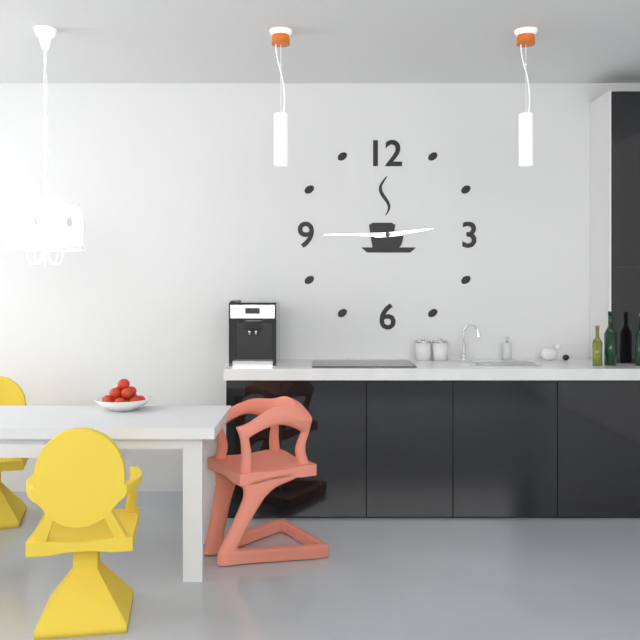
2:45
